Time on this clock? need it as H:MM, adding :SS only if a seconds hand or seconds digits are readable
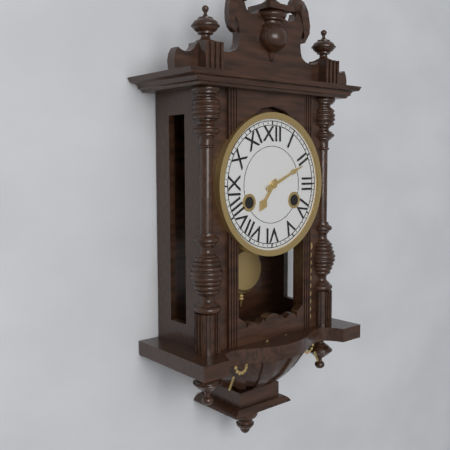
7:11
